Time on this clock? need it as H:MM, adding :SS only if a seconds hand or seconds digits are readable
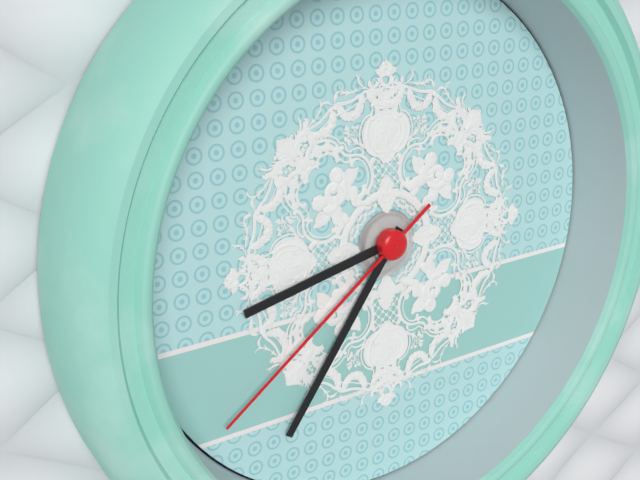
8:36:39
